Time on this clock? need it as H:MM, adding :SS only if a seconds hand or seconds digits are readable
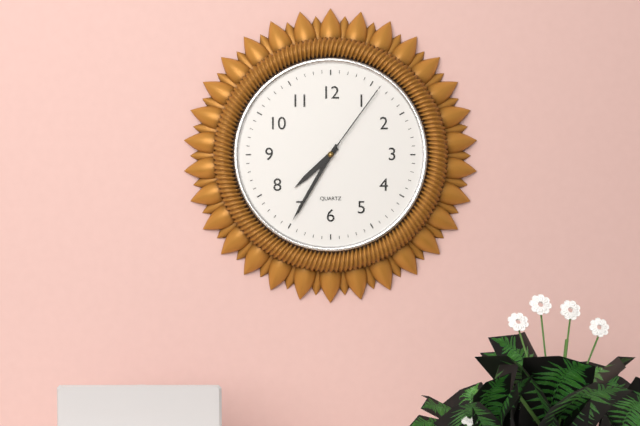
7:35:06
